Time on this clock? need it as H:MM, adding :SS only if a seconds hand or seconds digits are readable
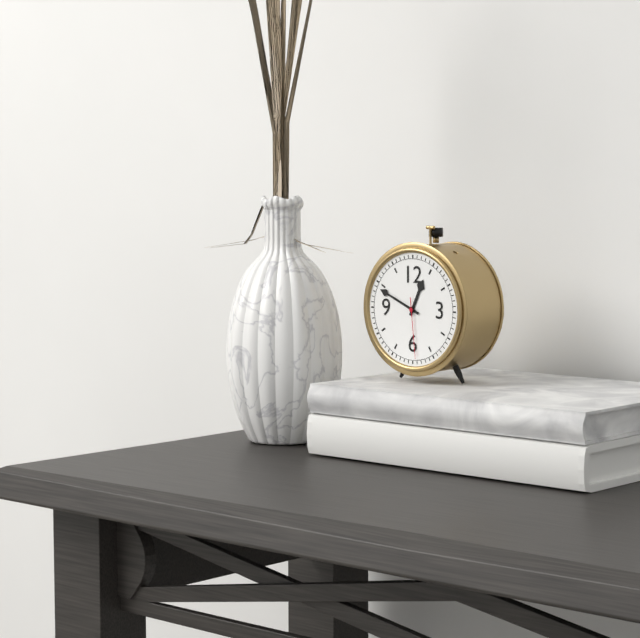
12:49:29
